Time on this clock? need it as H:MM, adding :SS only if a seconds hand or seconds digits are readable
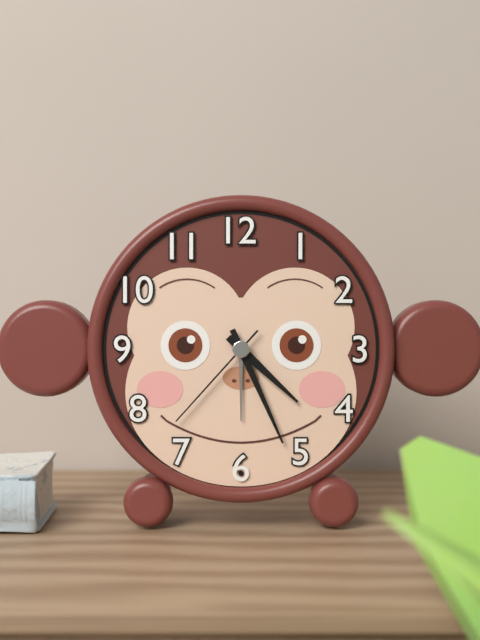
4:26:37
